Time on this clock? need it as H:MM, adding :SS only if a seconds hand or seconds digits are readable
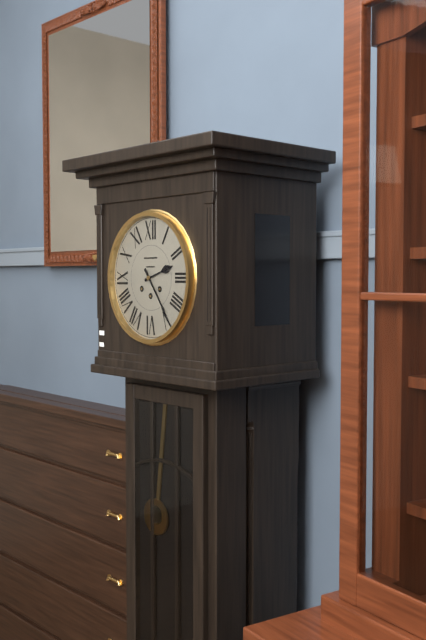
2:24
